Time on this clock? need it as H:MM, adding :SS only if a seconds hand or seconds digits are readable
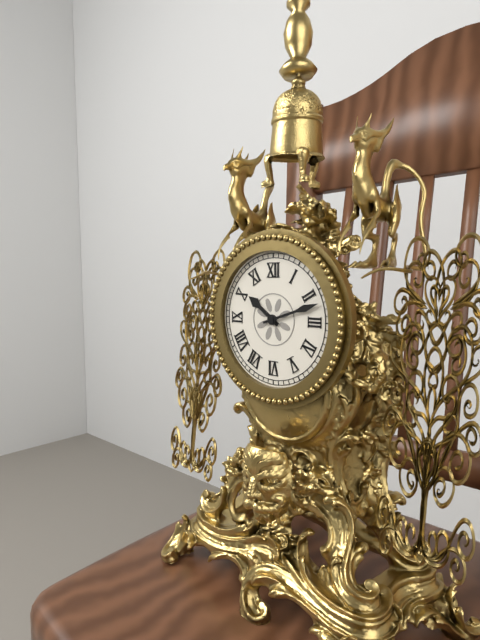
10:12
